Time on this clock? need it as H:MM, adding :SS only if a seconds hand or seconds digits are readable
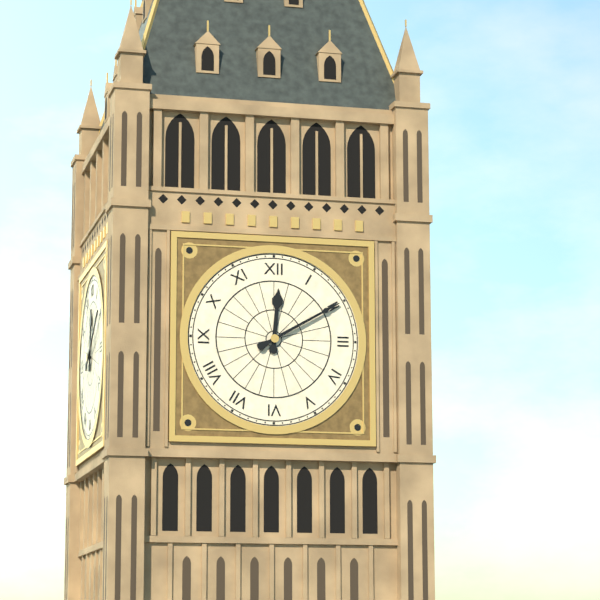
12:10
